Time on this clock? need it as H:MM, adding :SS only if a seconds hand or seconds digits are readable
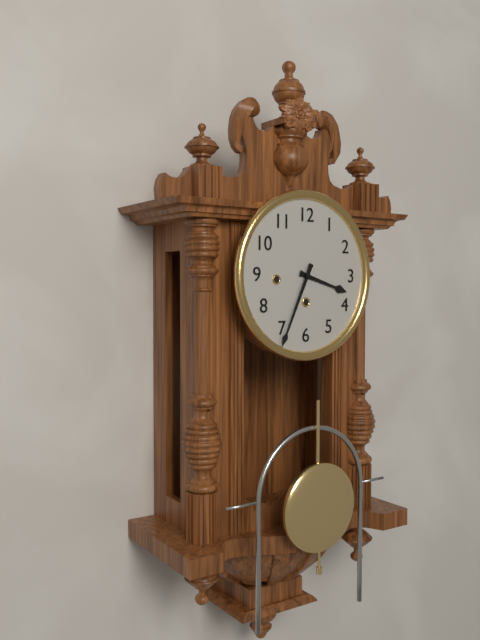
3:34
